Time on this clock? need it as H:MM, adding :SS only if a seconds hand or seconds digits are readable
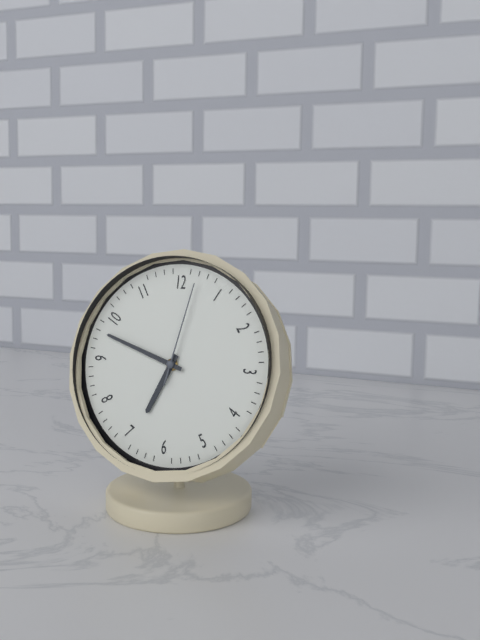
6:48:02
